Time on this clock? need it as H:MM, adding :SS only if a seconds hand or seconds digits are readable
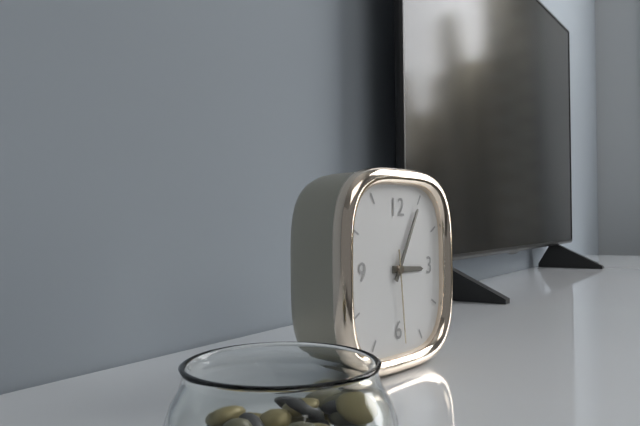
3:05:29
